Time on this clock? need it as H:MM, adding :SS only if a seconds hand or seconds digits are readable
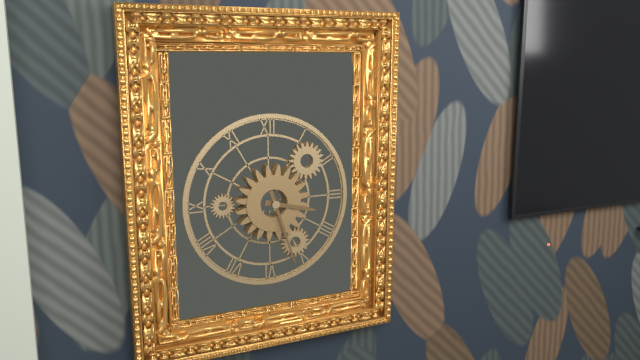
3:27
